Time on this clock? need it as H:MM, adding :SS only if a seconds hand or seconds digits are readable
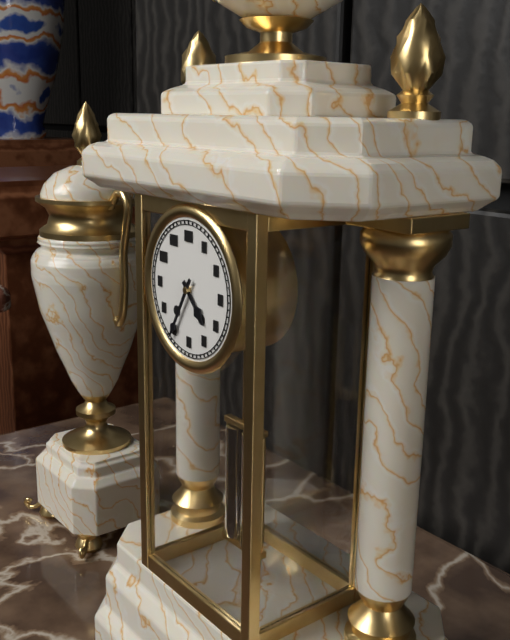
4:35
